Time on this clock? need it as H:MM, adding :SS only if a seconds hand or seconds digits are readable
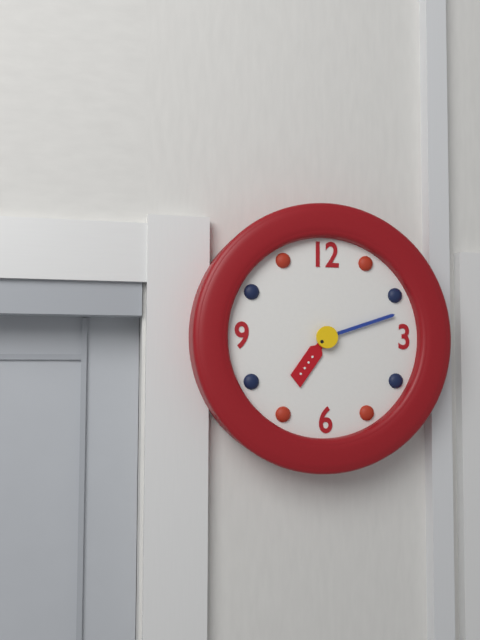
7:12
